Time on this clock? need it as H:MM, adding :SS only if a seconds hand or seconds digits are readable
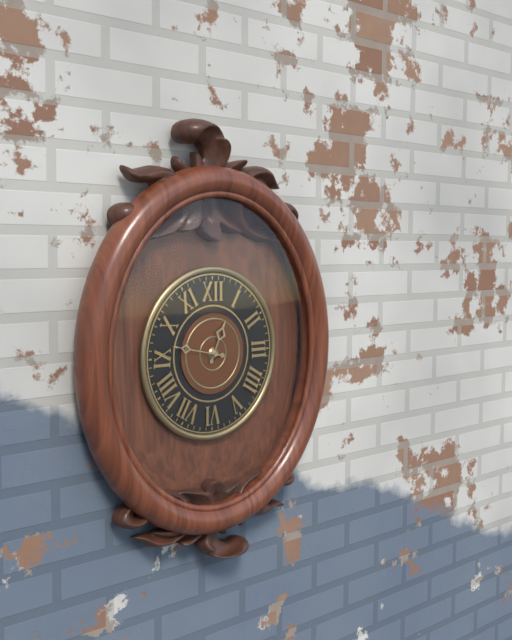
12:47
